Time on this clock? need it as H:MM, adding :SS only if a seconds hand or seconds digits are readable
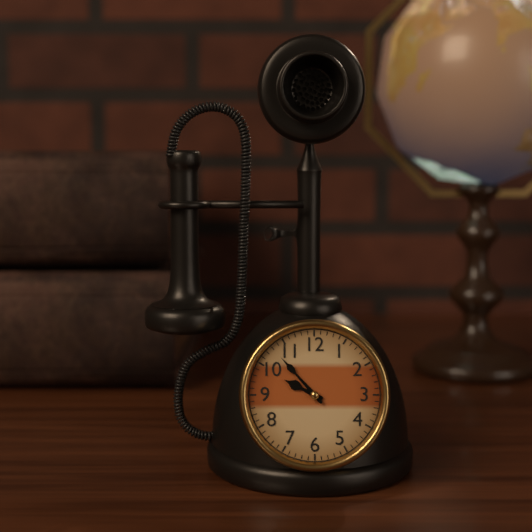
9:53
